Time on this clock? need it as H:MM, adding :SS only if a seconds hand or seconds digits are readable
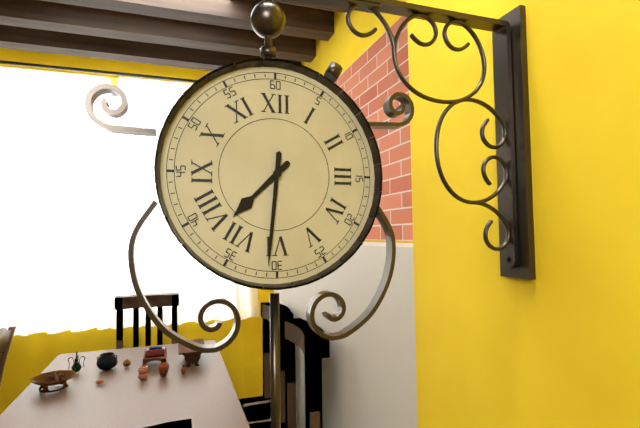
7:31
